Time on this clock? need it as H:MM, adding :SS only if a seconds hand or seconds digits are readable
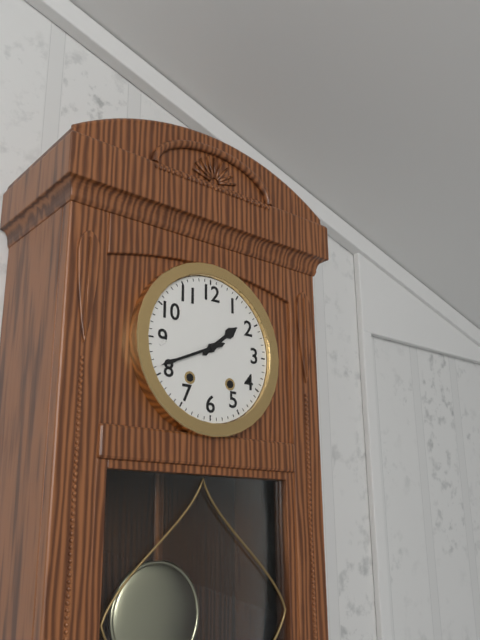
1:41
